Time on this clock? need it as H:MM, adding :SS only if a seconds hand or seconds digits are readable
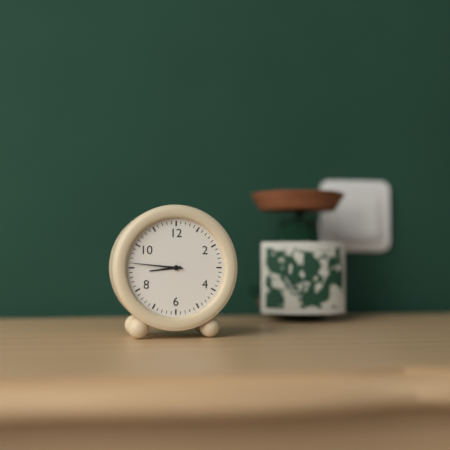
8:46
